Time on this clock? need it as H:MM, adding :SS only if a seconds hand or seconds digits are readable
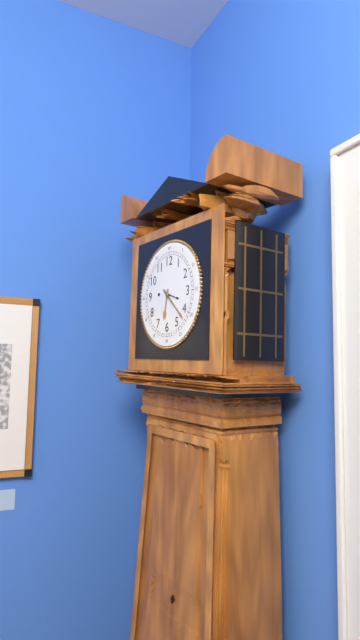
6:22
